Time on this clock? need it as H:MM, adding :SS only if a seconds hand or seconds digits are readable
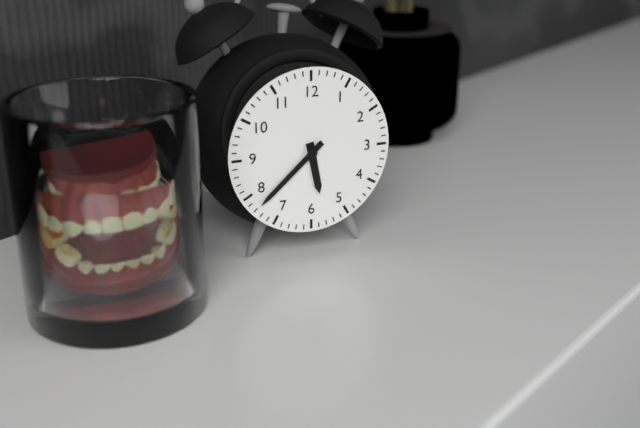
5:38
